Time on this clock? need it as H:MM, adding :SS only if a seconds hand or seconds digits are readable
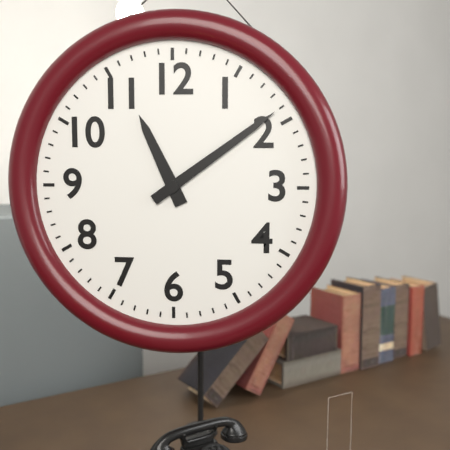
11:09
